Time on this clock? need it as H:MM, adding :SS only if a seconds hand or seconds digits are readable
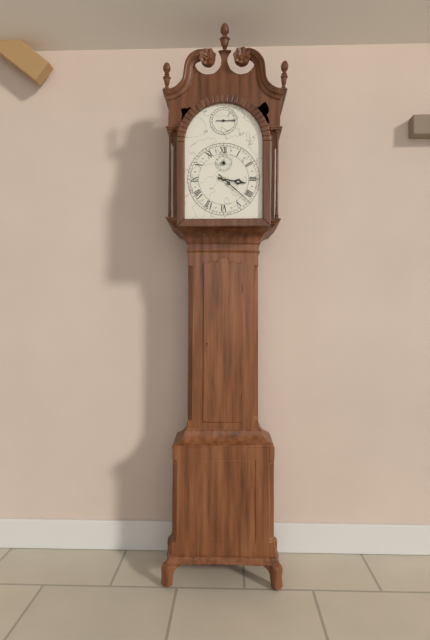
3:22
